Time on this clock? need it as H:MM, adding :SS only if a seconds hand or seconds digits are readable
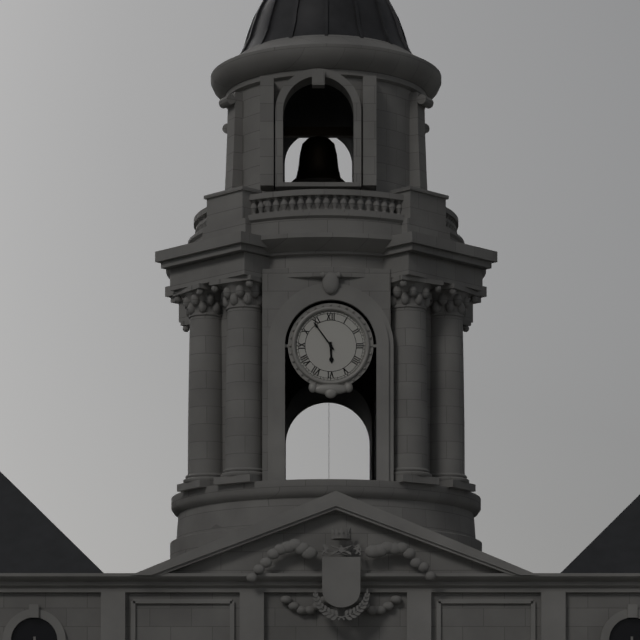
5:54
